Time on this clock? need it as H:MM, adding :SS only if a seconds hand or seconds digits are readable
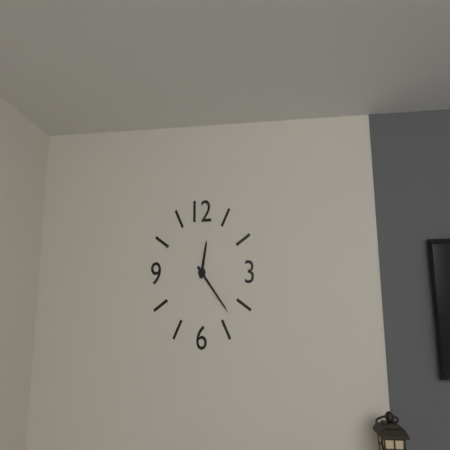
12:23
